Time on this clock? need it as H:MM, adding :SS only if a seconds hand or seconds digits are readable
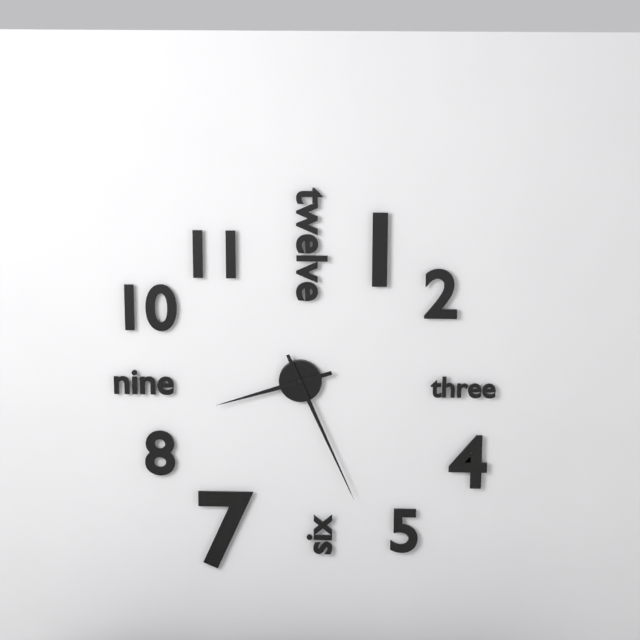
8:26
